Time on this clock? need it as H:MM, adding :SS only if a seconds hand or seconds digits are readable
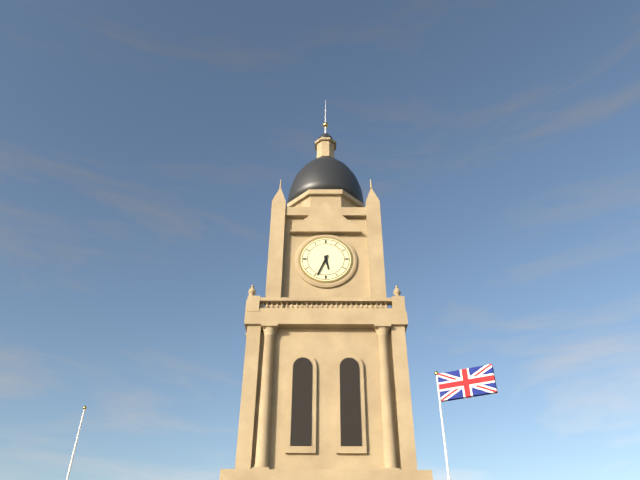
5:34
